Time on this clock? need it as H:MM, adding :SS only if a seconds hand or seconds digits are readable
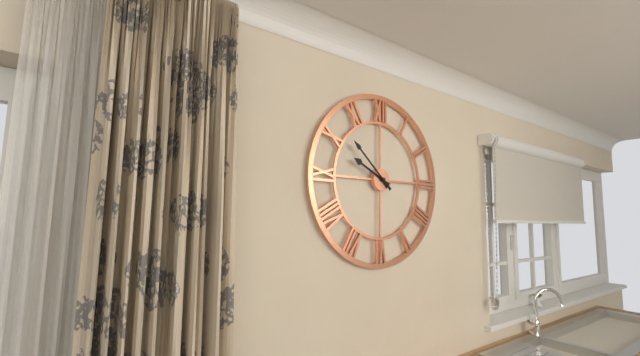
9:52
